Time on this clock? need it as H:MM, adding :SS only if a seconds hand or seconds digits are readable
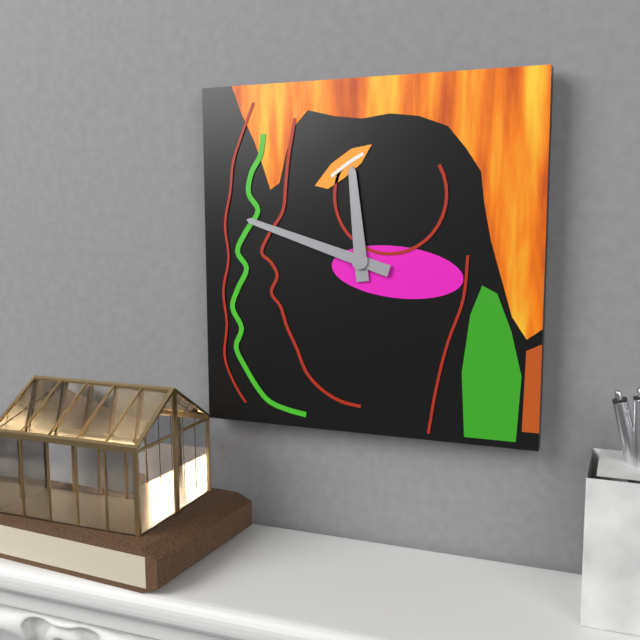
11:48
